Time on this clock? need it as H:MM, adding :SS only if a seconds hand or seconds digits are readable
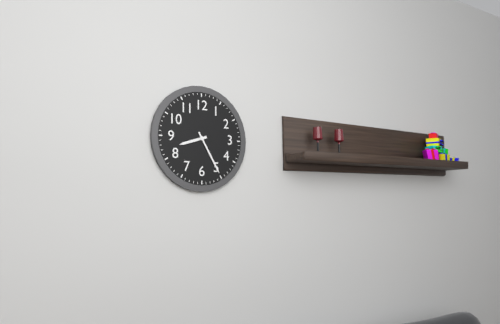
8:25
